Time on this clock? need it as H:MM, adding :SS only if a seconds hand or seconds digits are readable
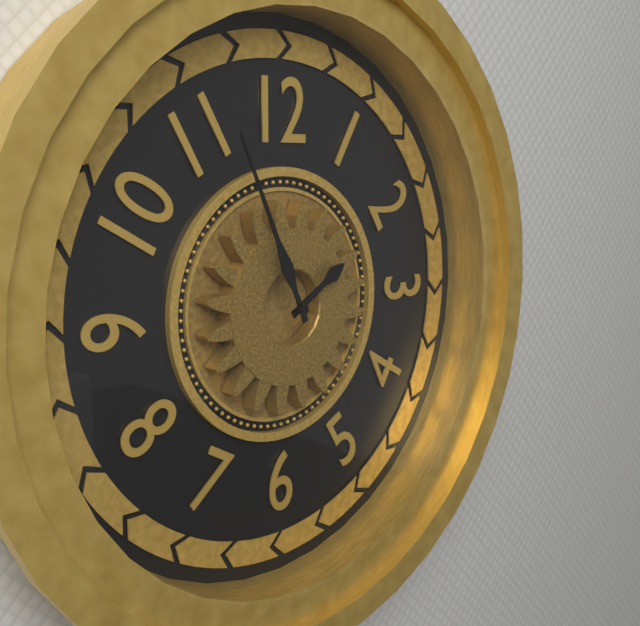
1:56
